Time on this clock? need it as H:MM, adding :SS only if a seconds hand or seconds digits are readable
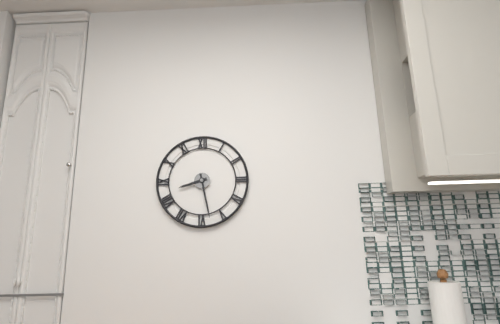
8:28
